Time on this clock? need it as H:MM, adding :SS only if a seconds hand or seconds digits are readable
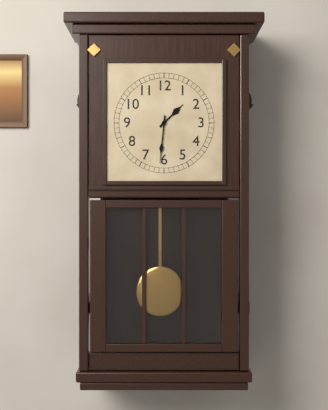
1:31
